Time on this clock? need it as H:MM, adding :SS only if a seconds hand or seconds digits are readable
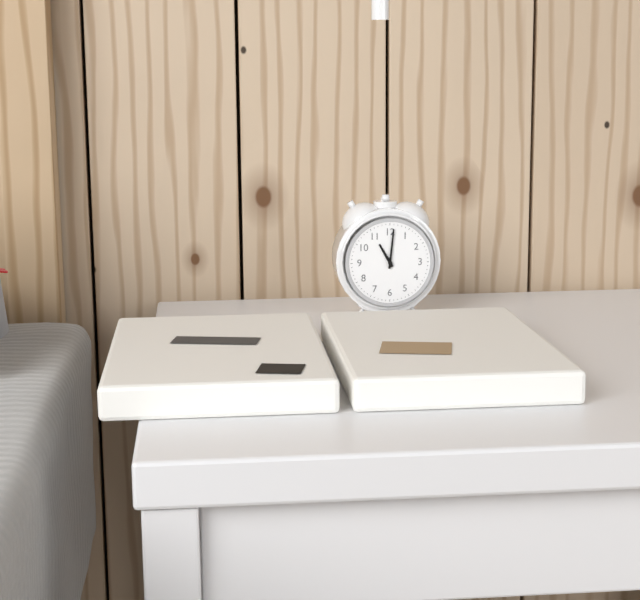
11:01
